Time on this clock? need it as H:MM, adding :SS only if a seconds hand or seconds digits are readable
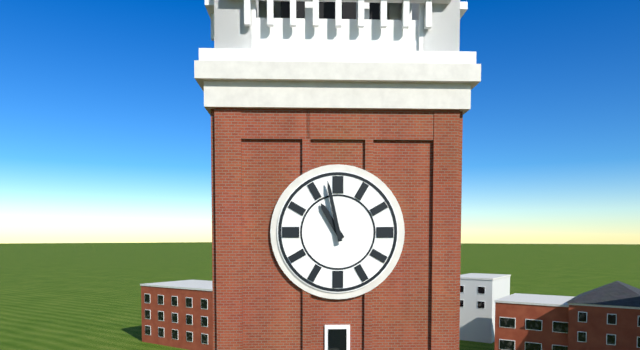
10:58
